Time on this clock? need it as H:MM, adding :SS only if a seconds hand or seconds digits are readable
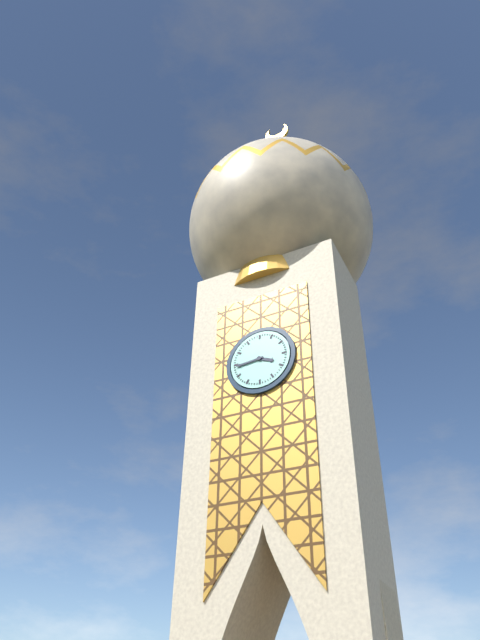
3:44
